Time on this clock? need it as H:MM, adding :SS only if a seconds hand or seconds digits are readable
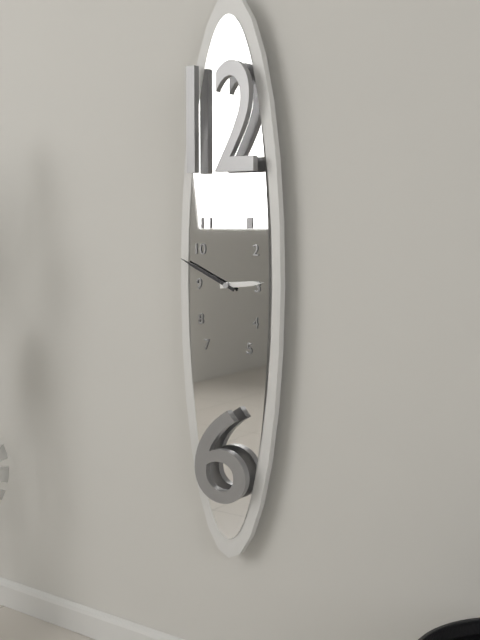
2:49
